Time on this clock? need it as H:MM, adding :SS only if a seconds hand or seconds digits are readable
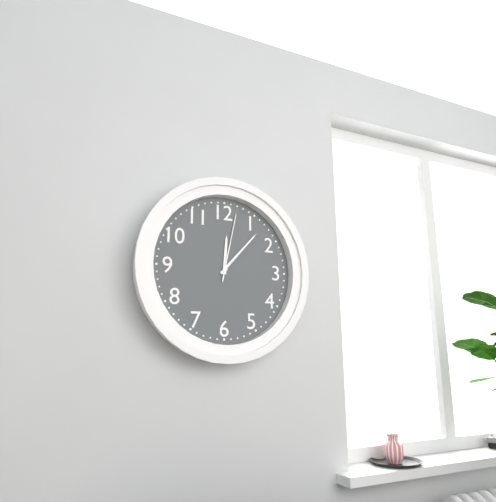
12:07:02
